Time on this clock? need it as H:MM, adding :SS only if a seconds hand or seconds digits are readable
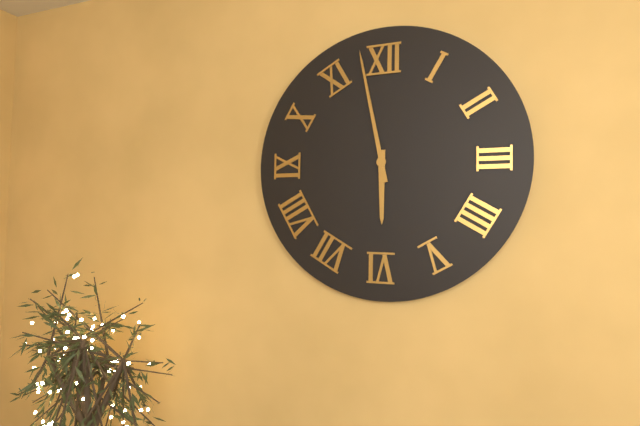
5:58
